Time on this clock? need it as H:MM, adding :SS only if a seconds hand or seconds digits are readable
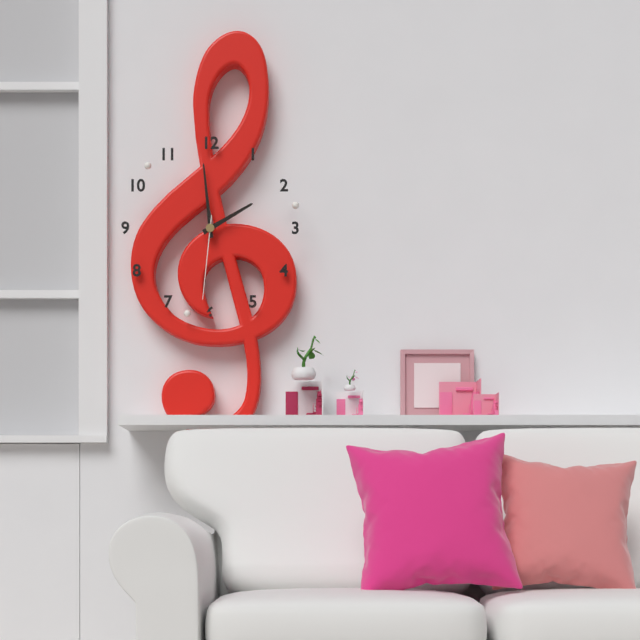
1:59:31
